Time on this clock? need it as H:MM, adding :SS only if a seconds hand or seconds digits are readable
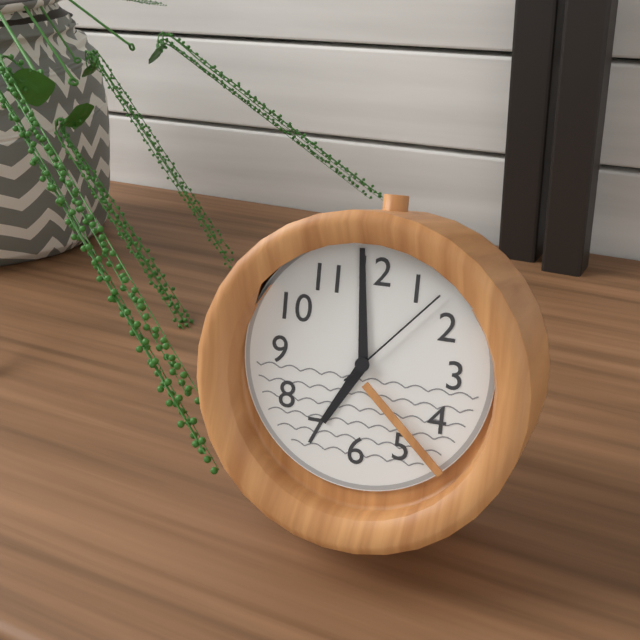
6:59:07
